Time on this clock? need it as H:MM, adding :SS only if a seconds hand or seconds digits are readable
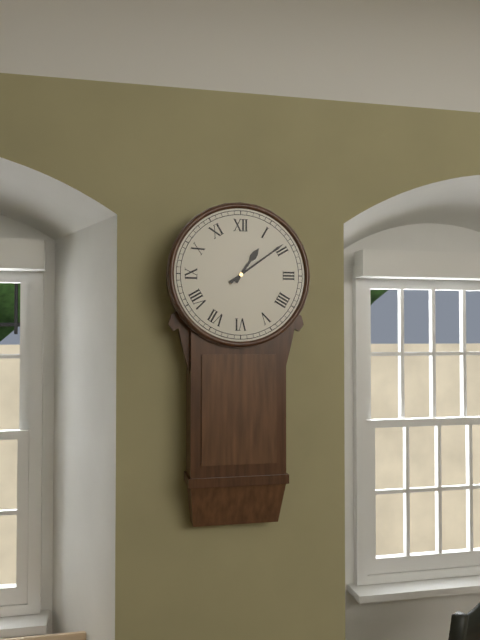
1:09
